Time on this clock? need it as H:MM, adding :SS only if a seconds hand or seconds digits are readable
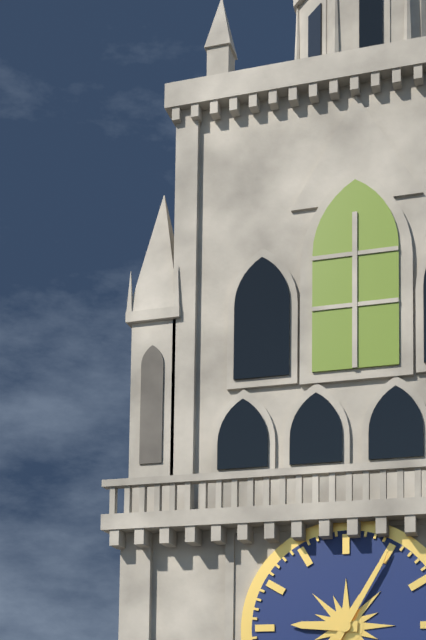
9:05
